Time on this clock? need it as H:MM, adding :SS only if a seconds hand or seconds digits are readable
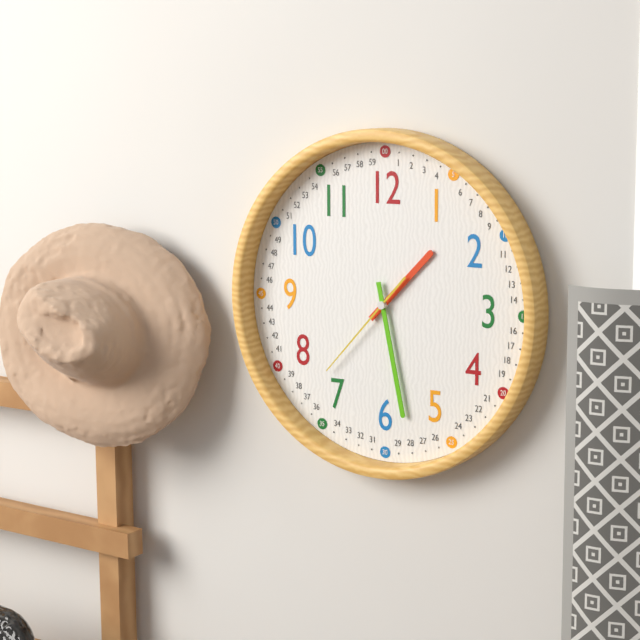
1:28:37
